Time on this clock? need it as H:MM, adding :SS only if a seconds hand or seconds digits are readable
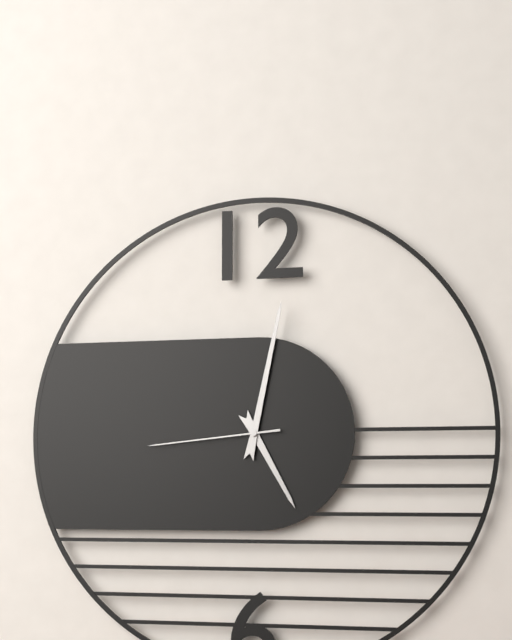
5:02:44
